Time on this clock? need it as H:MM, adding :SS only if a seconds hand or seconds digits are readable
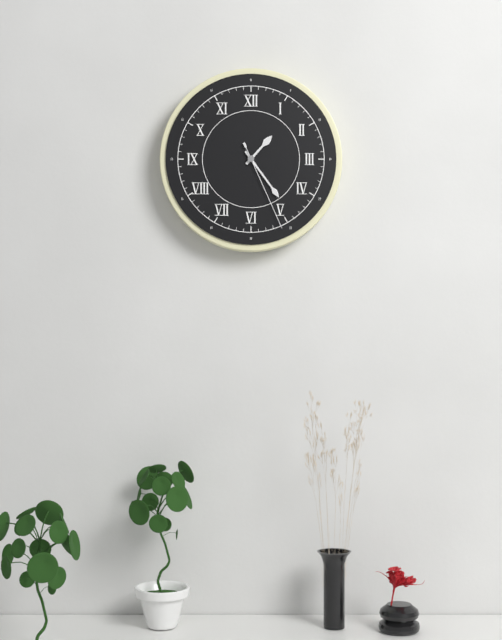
1:24:26
